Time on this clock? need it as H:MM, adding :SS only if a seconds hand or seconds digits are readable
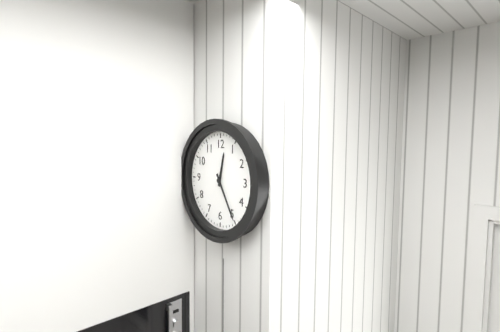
12:25
